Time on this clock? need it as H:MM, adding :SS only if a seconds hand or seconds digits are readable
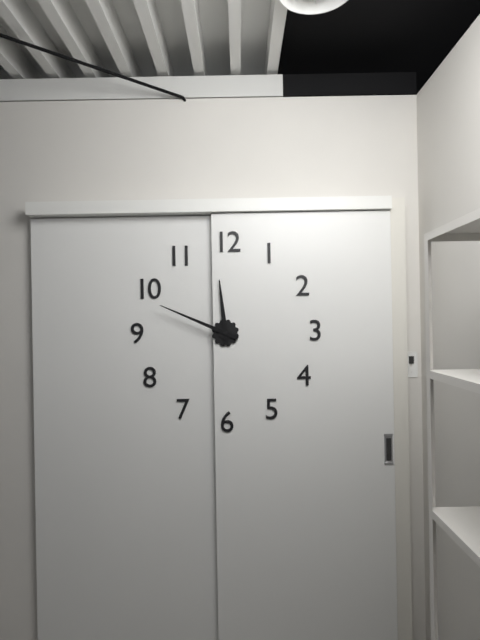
11:49
